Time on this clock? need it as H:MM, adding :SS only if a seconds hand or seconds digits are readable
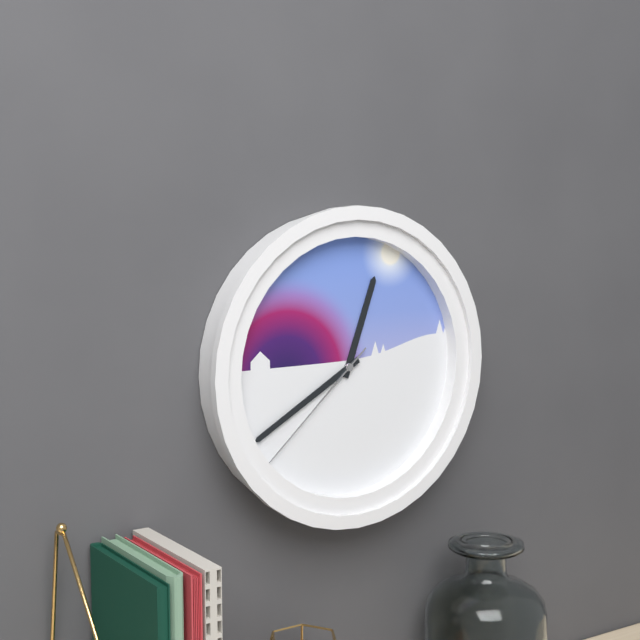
12:40:38
